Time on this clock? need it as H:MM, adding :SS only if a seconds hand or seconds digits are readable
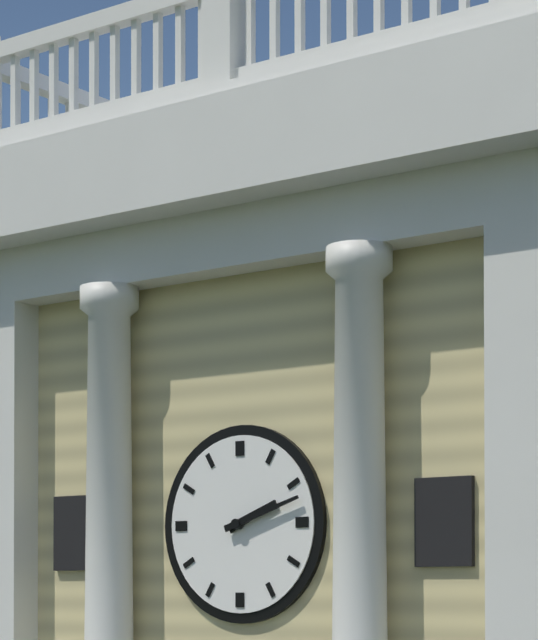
2:12
